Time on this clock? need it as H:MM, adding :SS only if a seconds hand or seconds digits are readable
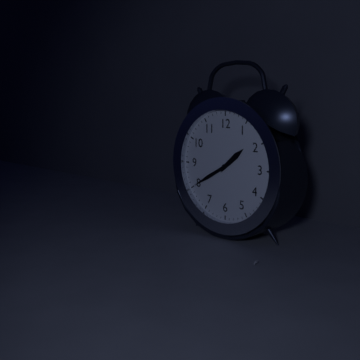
1:40
